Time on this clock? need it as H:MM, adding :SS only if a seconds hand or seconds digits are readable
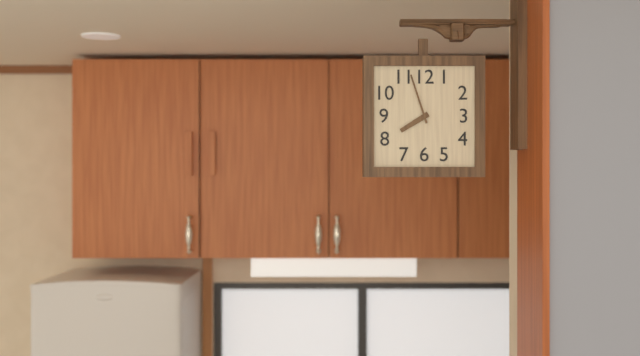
7:57
